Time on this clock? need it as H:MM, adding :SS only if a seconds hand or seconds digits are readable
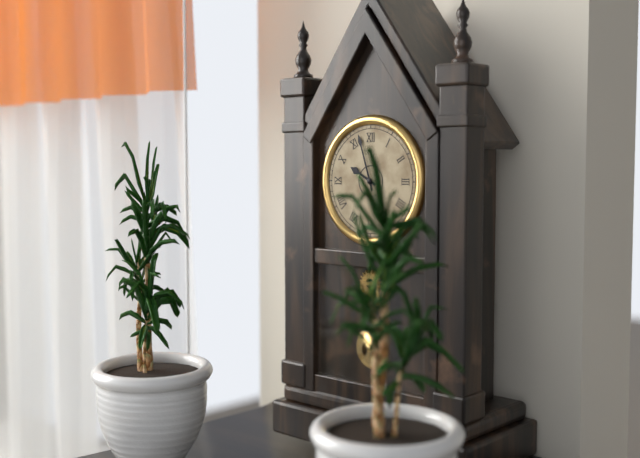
9:57
